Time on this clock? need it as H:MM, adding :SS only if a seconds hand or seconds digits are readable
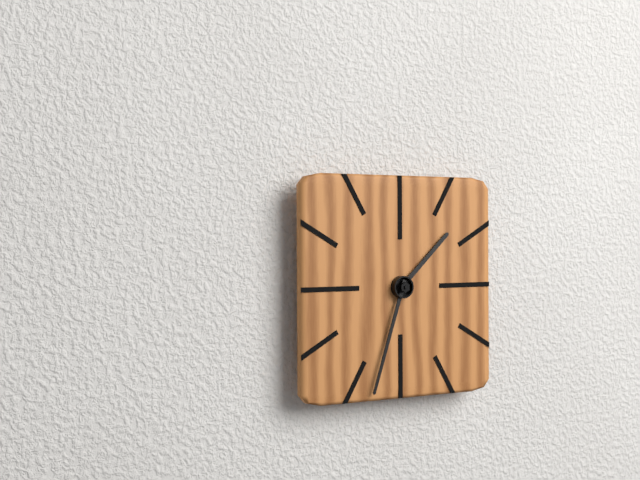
1:33
